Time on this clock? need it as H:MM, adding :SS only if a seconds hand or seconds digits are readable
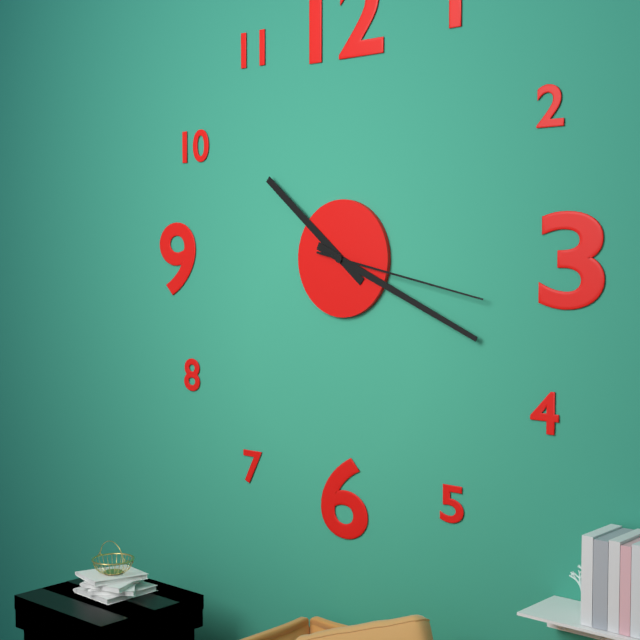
10:19:17
